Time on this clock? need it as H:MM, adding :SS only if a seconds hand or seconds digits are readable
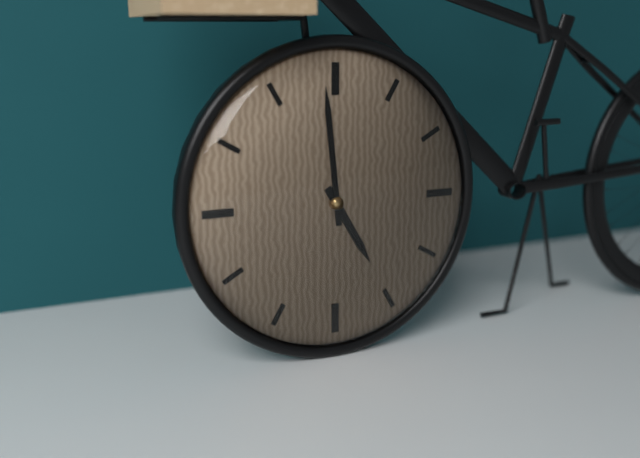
4:59
